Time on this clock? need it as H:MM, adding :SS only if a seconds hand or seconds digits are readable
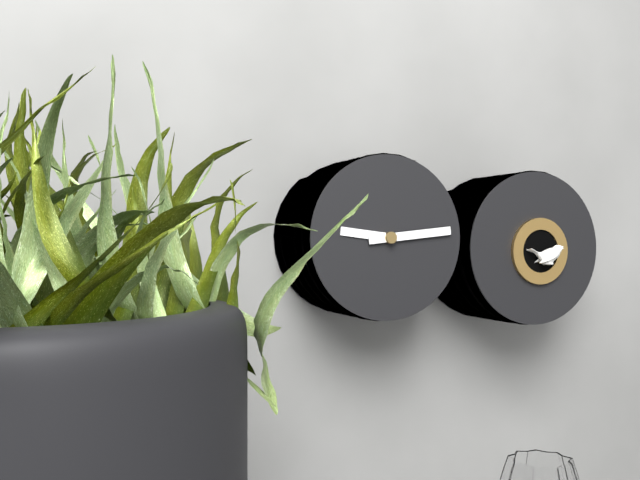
9:14
